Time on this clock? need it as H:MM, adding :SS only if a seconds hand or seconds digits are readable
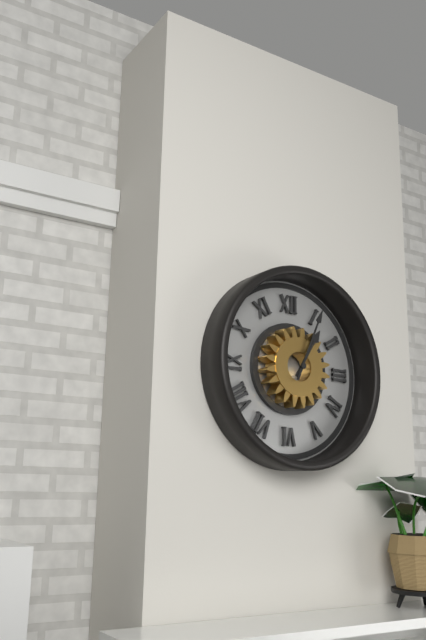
1:04
